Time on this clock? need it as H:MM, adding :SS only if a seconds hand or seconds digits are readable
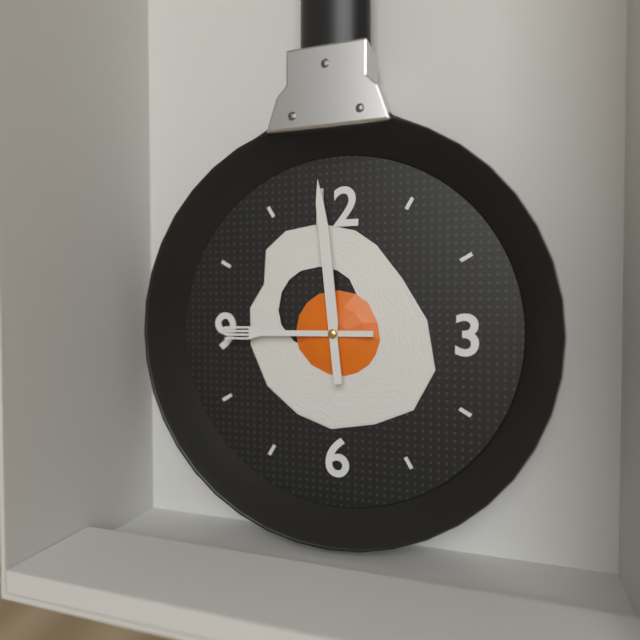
8:59
